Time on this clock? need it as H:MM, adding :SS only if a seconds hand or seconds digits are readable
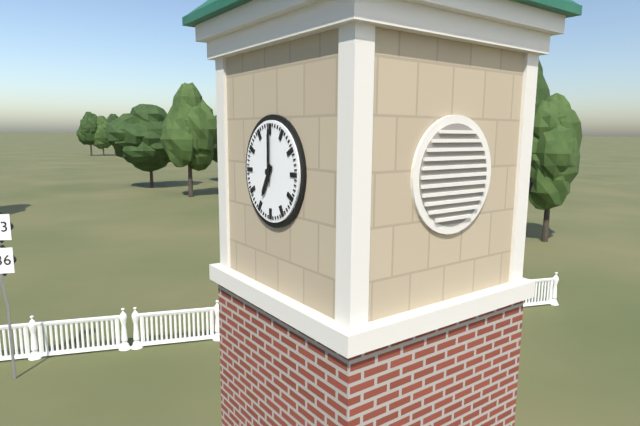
7:00
